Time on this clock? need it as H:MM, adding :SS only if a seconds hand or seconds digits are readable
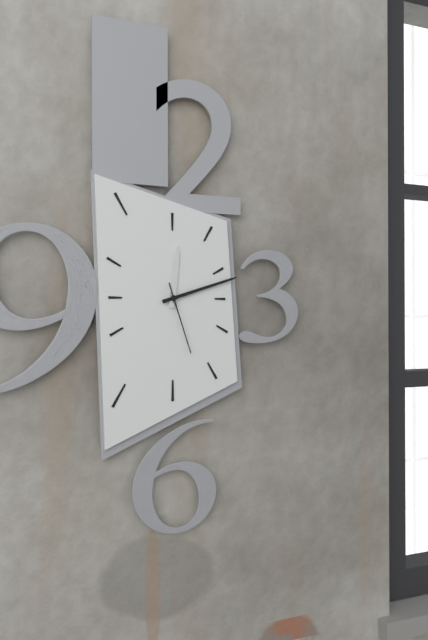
12:12:27
